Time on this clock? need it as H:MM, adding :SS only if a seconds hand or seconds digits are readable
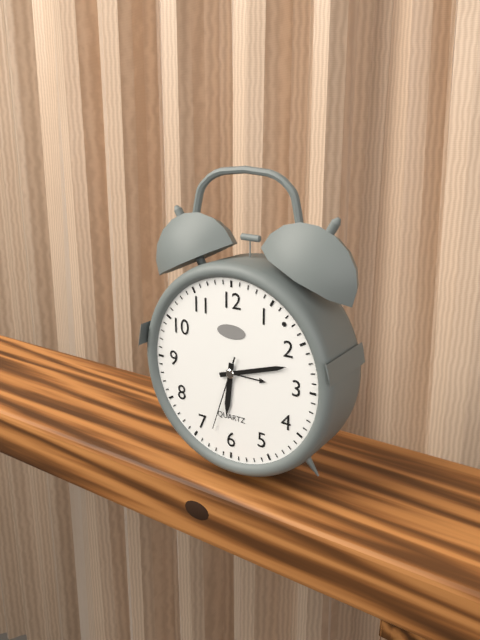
6:12:33
